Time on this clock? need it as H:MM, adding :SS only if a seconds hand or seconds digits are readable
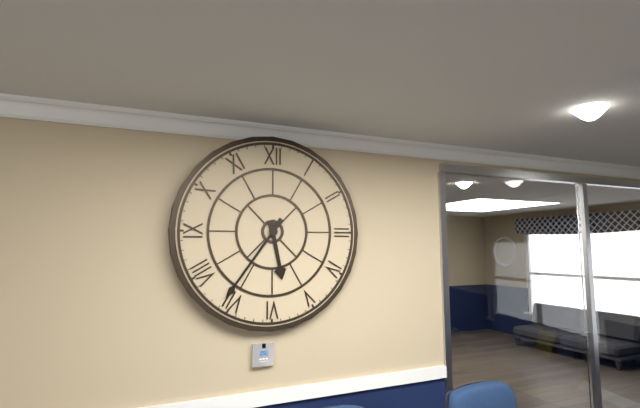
5:36
